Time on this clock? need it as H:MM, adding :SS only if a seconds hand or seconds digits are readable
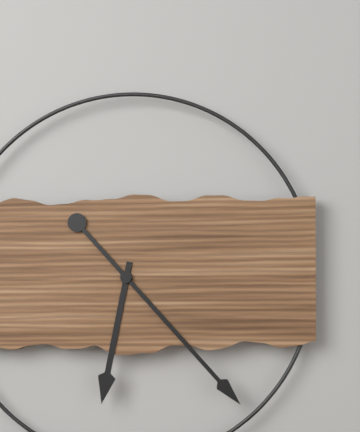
6:23
